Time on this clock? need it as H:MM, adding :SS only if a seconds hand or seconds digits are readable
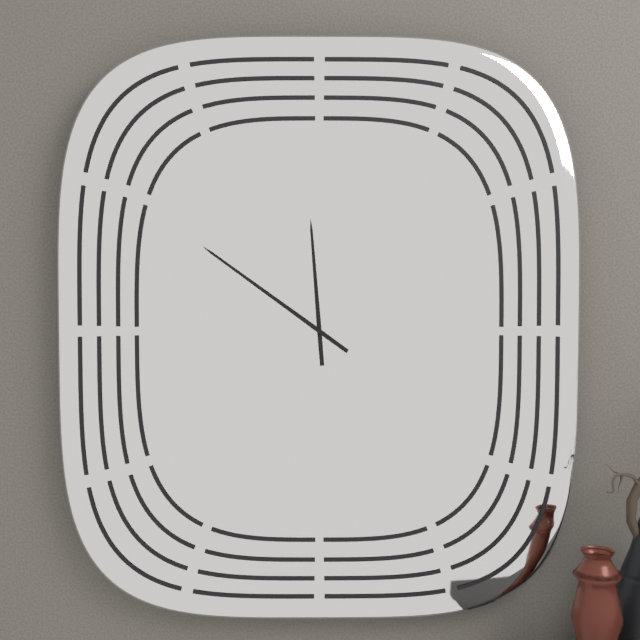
11:51
